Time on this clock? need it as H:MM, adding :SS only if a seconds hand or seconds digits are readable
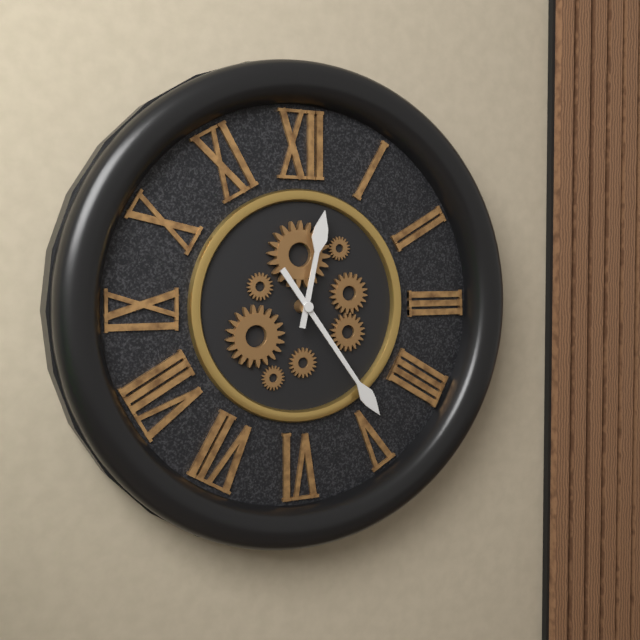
12:24
